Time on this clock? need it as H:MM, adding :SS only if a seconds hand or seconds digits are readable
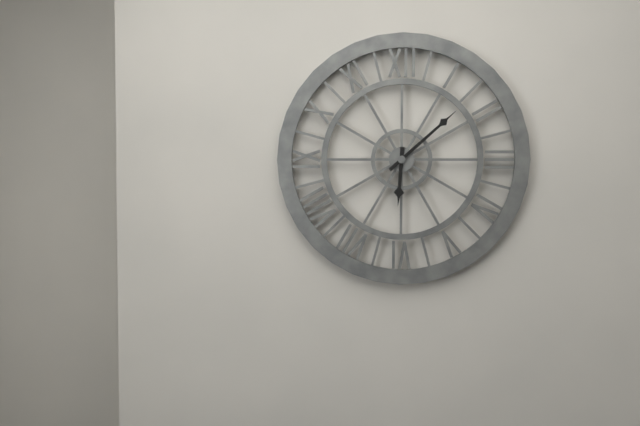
6:08
